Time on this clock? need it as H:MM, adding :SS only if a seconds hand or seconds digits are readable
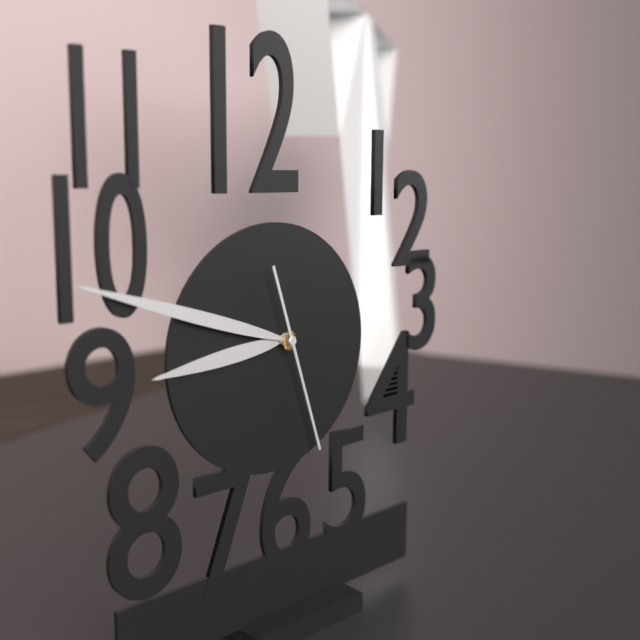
8:48:27
